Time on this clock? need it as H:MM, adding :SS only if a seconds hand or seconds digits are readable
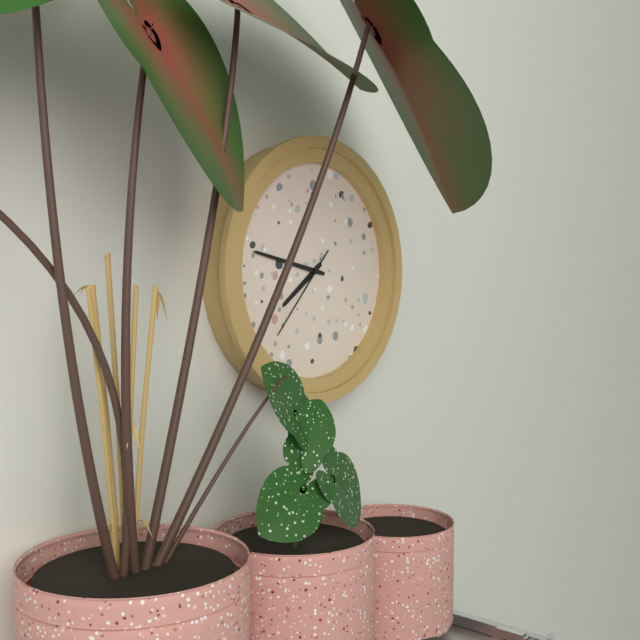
7:47:37
